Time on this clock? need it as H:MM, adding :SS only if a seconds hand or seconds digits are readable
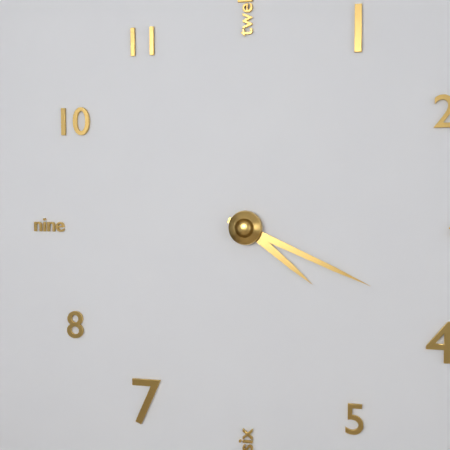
4:19
